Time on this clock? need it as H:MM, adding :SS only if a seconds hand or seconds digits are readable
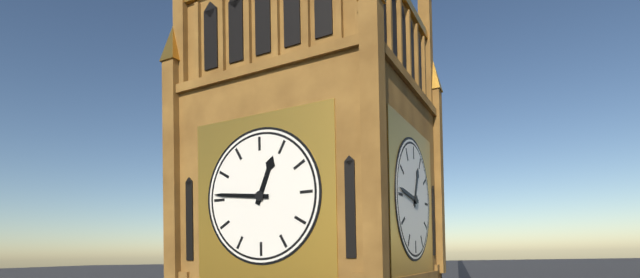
12:46
